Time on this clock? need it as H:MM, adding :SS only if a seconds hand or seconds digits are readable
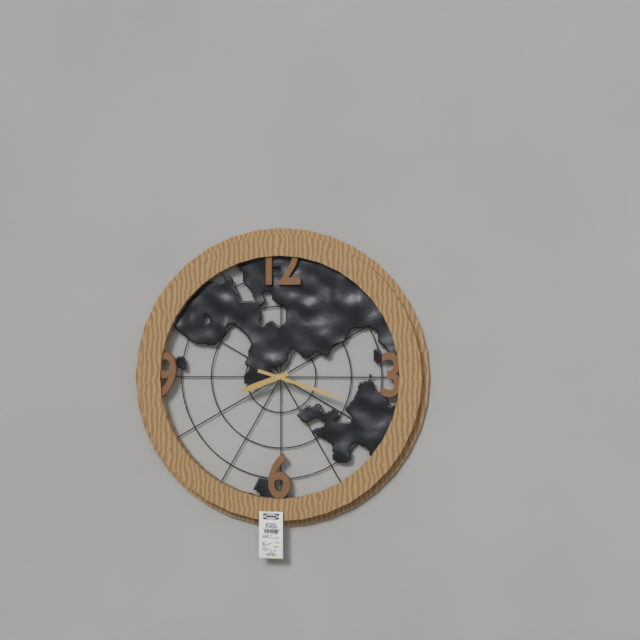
8:18
